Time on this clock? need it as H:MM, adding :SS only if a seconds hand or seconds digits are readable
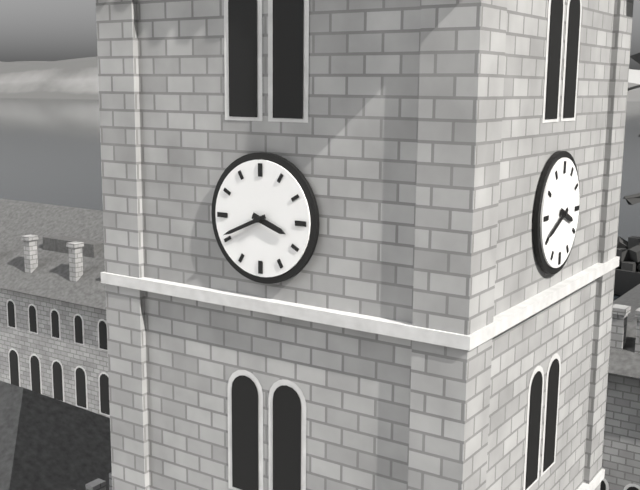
3:41
